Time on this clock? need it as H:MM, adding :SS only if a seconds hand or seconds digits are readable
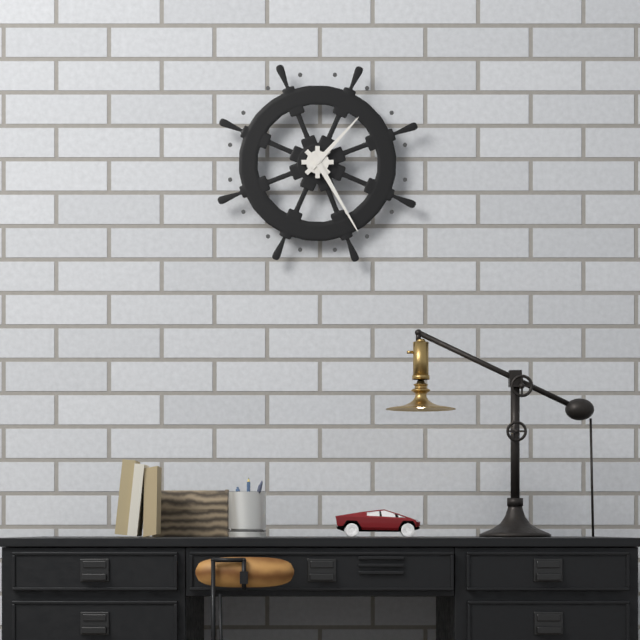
1:25
